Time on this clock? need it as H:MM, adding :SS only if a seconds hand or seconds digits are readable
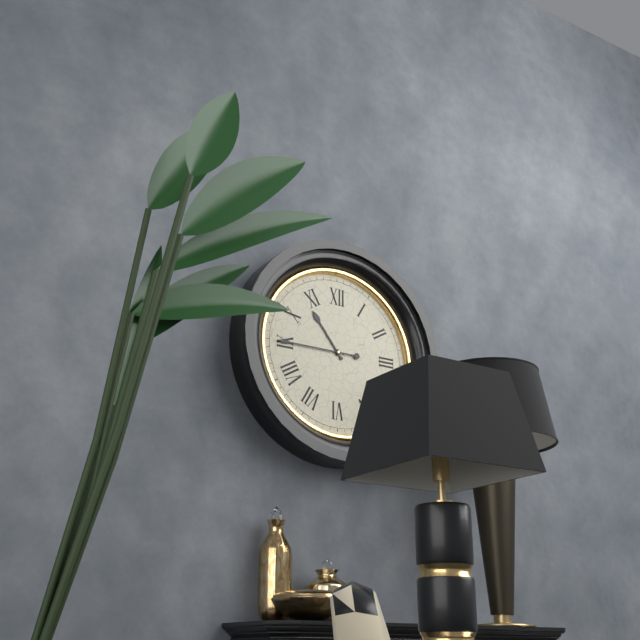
10:45
